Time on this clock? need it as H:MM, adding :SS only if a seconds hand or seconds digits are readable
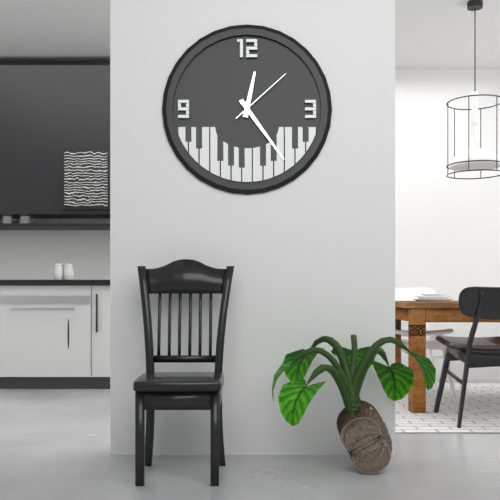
12:24:08
